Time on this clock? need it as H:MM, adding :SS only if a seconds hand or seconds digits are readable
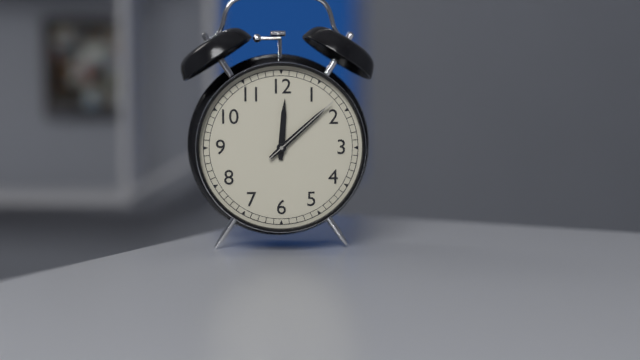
12:08:08
